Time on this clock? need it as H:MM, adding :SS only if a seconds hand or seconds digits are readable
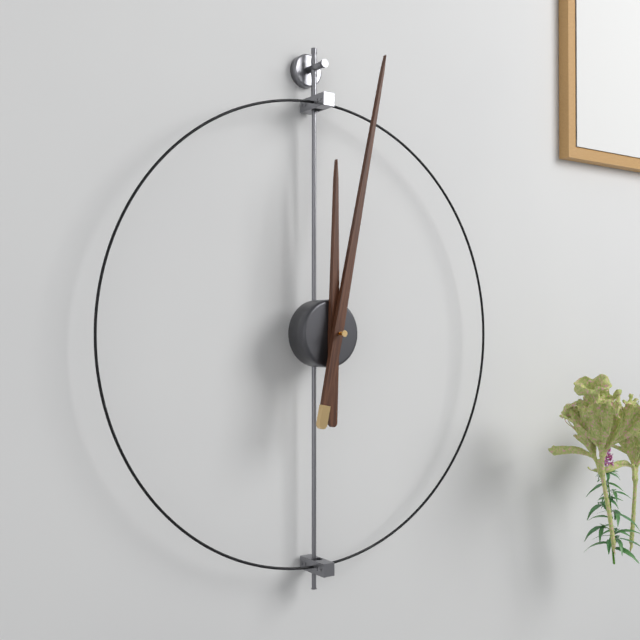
12:02
